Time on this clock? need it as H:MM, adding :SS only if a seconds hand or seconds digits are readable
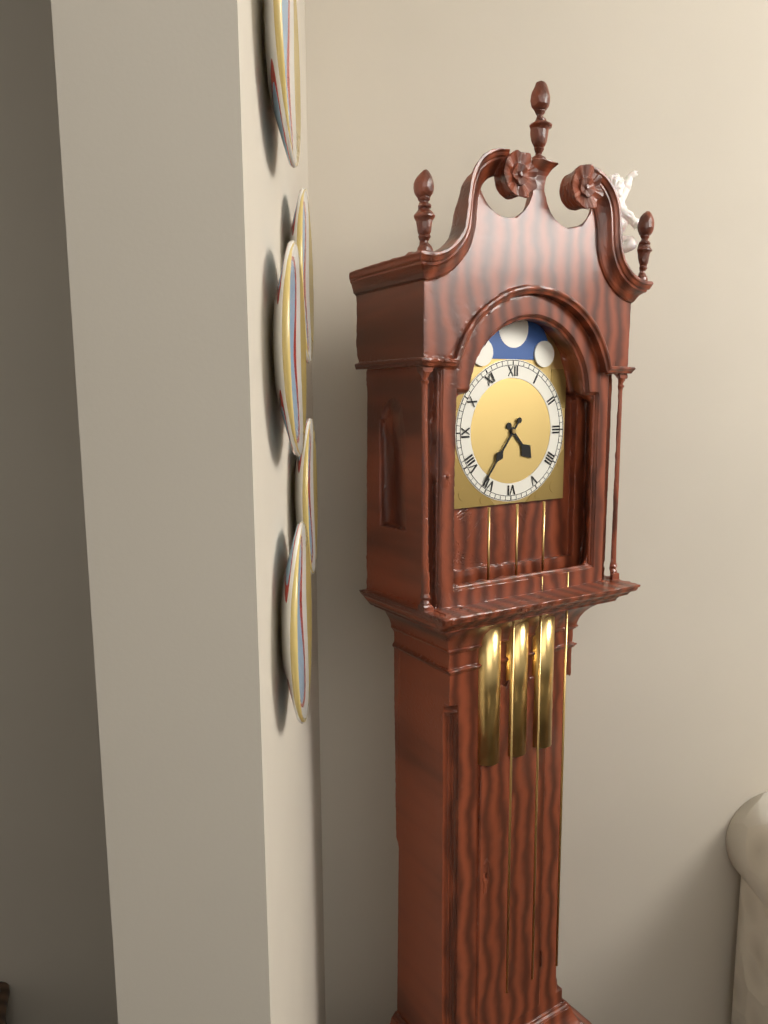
4:36
